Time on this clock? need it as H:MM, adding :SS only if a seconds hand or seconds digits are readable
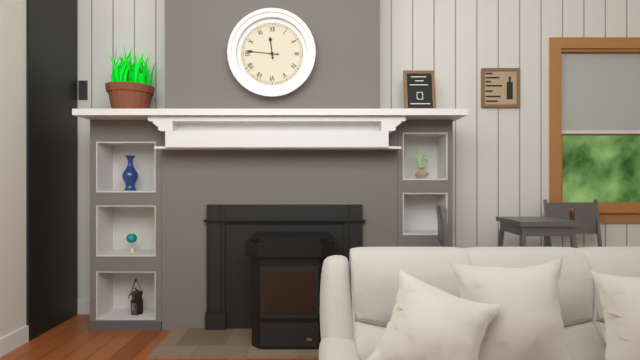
11:46
